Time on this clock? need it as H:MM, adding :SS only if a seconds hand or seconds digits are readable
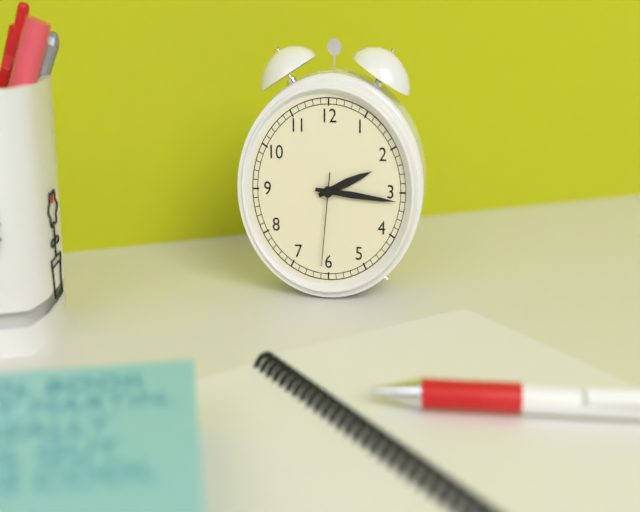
2:16:31
